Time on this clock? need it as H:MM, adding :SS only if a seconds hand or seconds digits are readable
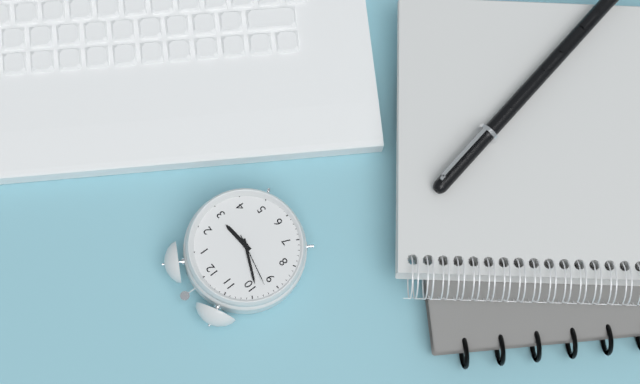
2:49:47
